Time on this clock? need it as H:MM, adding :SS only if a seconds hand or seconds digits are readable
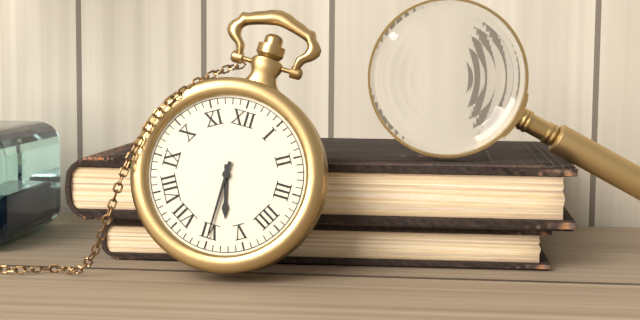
5:30
